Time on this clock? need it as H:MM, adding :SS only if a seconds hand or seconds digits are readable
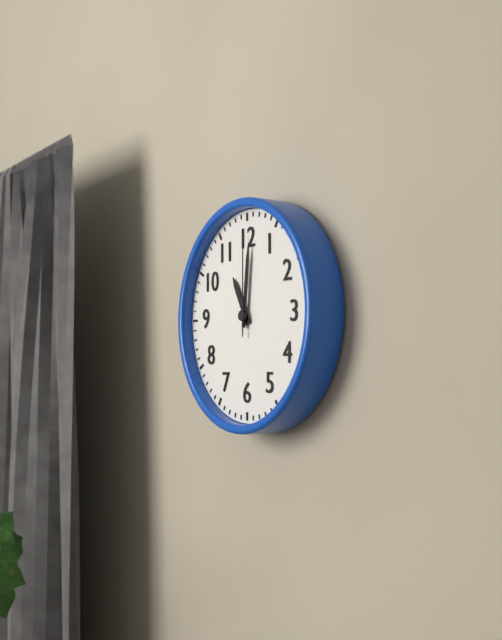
11:01:00
